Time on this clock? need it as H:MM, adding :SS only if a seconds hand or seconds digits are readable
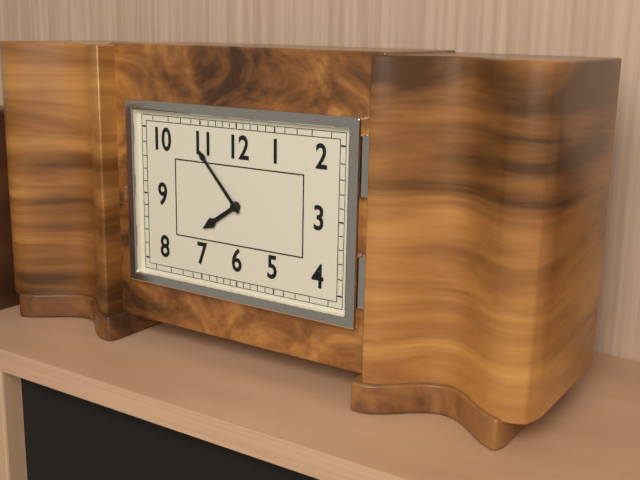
7:53
